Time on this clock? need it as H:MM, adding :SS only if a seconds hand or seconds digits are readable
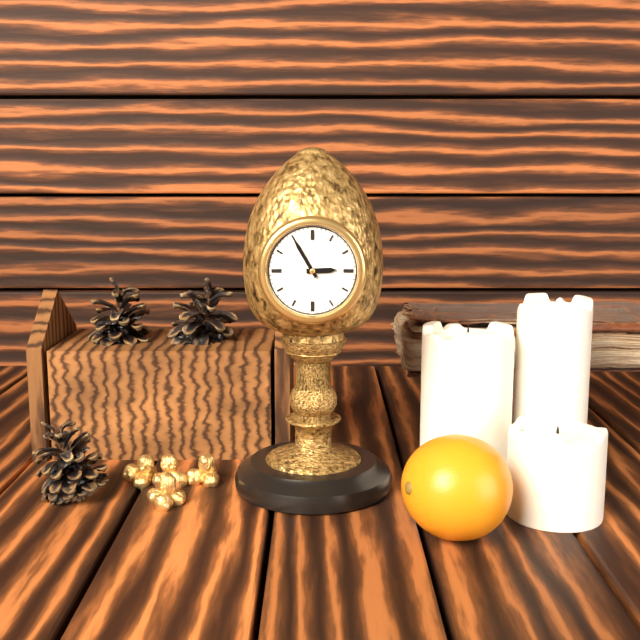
2:55
